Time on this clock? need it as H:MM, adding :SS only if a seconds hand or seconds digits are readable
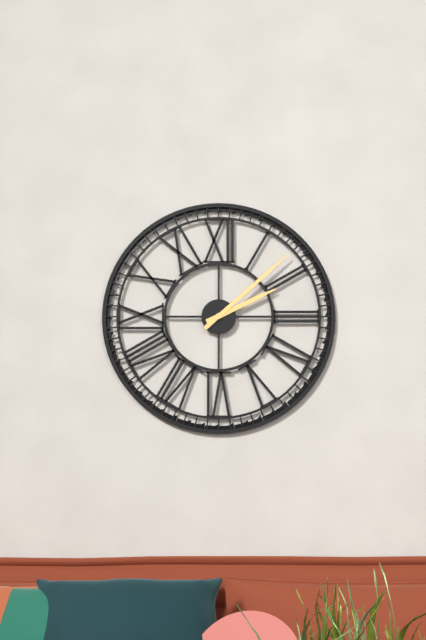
2:08
